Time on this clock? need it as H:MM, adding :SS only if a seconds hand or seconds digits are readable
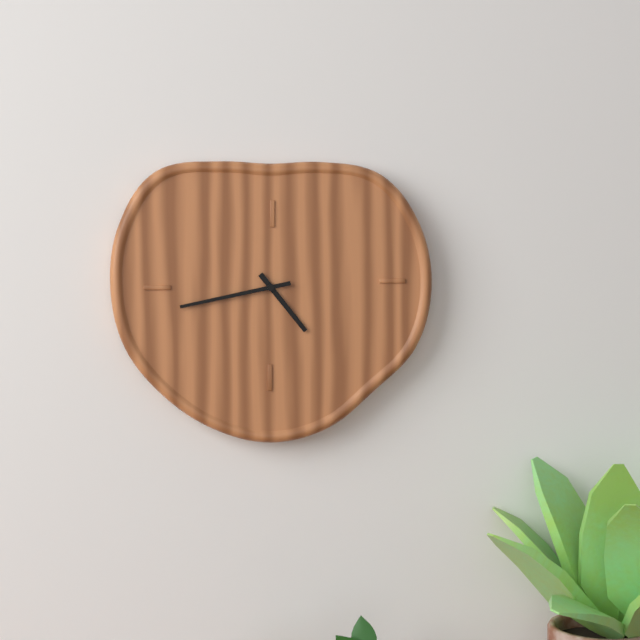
4:43
